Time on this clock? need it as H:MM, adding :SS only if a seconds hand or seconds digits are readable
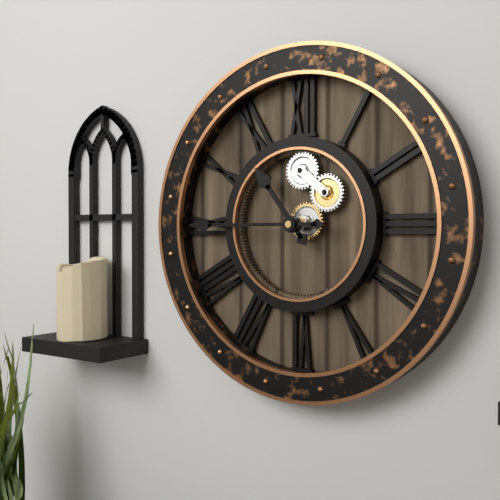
10:45
